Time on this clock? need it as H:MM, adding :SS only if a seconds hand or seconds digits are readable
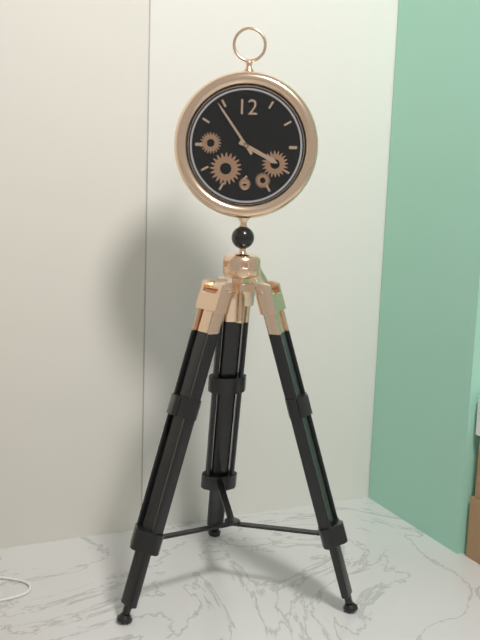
3:54
